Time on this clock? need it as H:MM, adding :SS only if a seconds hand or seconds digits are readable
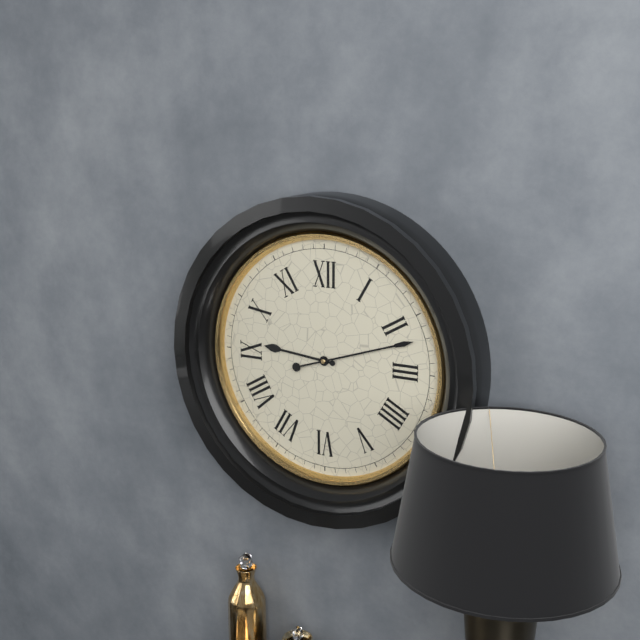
9:12
